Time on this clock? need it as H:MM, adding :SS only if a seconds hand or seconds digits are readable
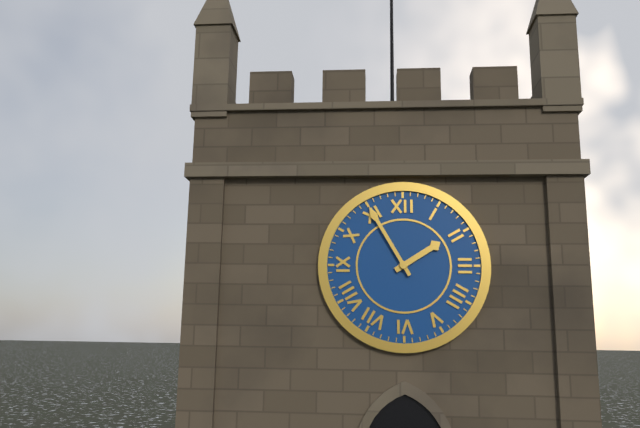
1:55
